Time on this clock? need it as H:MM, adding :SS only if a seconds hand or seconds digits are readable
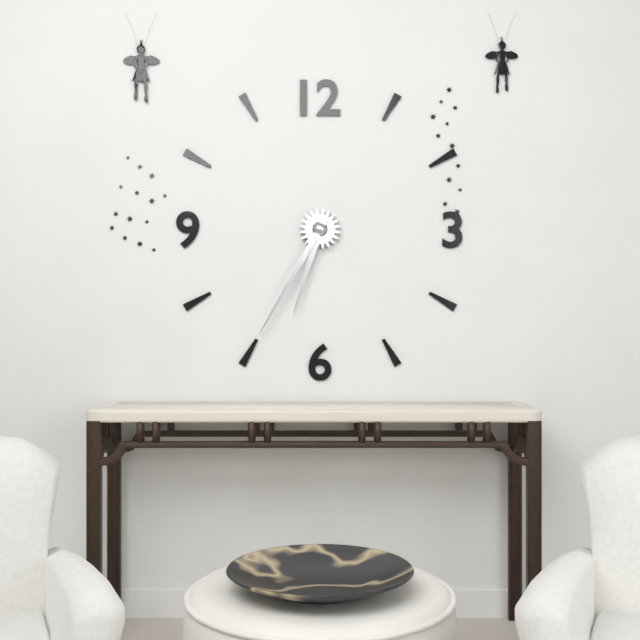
6:35
